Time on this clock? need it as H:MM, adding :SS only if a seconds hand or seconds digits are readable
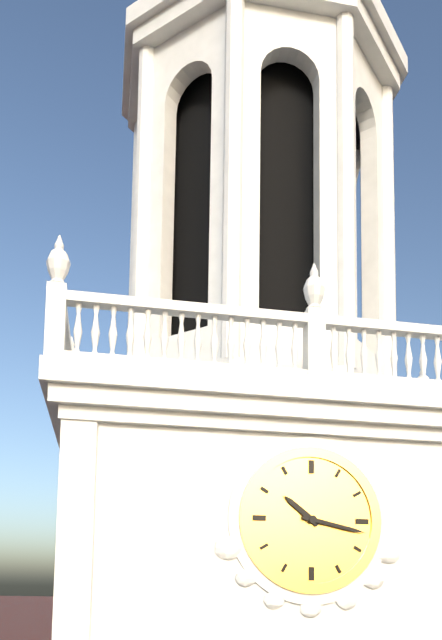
10:17
